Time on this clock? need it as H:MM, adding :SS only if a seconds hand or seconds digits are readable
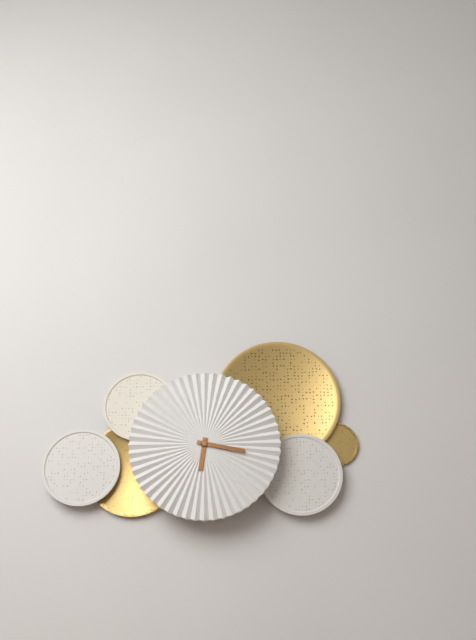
6:17
